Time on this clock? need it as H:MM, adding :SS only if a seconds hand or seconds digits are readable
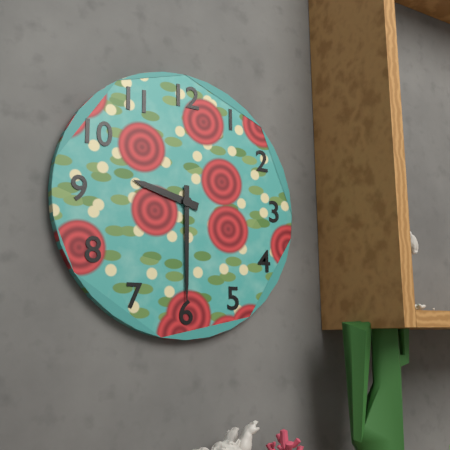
9:30
